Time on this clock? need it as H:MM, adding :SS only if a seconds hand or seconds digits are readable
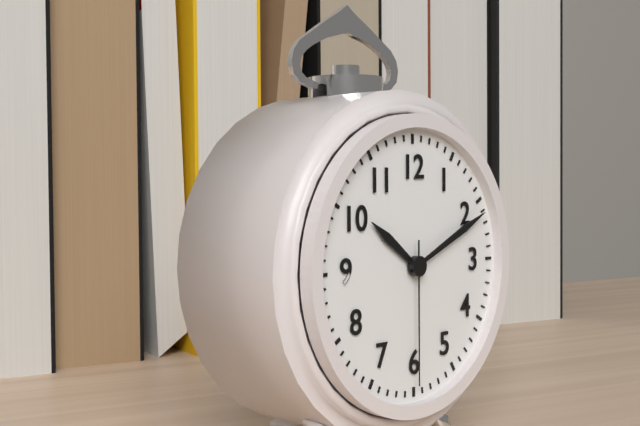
10:11:30
